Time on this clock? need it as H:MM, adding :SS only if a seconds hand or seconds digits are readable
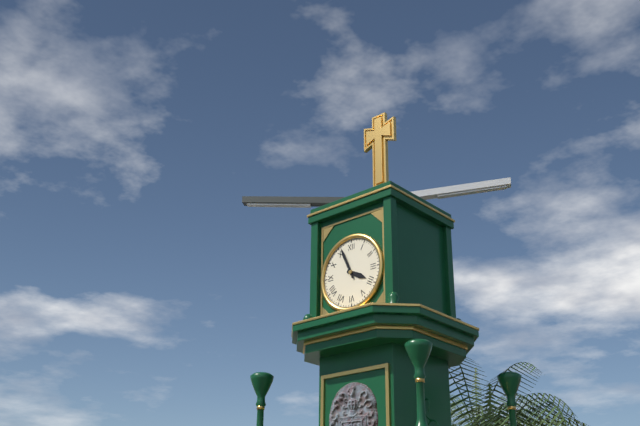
3:56
